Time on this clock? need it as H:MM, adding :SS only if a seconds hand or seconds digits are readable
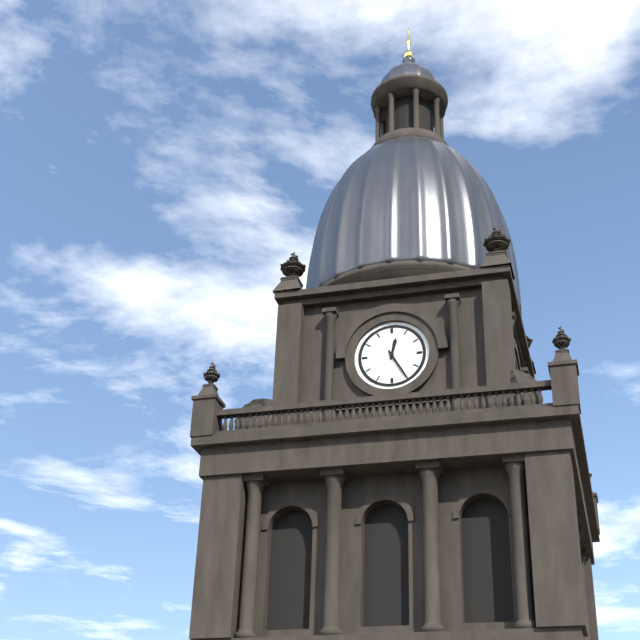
12:25
